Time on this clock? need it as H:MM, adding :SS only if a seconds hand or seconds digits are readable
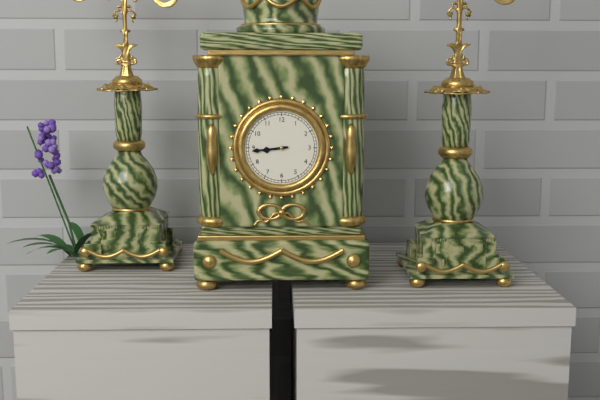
8:44
